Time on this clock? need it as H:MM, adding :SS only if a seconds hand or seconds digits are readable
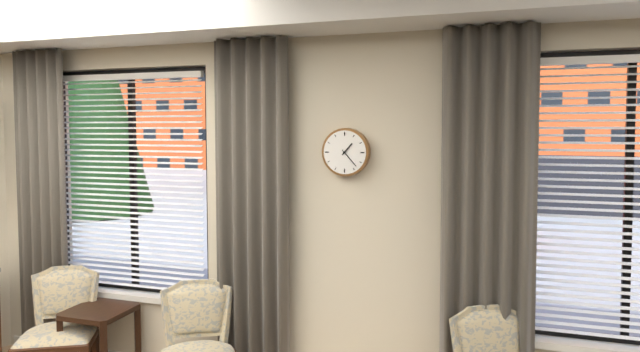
1:23
